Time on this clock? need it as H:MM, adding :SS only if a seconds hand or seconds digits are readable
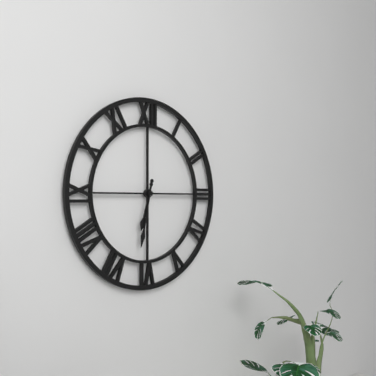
6:32
